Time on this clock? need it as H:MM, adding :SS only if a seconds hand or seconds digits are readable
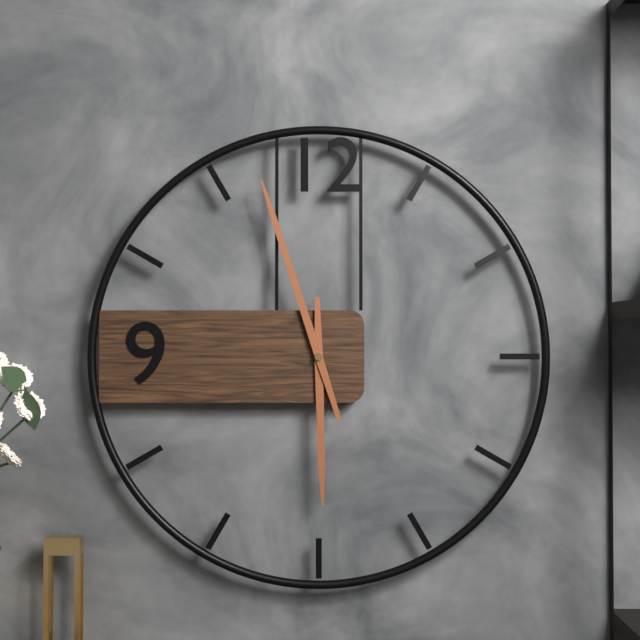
5:57
